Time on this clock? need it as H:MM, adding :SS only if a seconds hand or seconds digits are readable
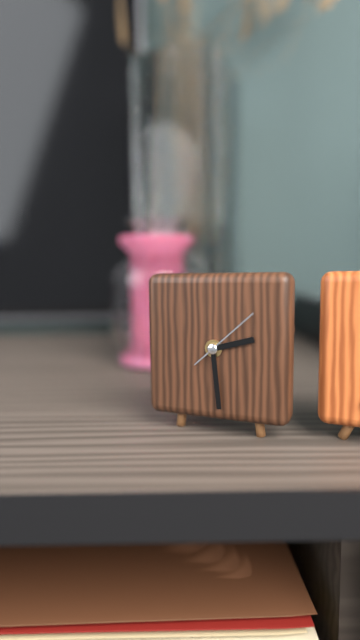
2:29:08
